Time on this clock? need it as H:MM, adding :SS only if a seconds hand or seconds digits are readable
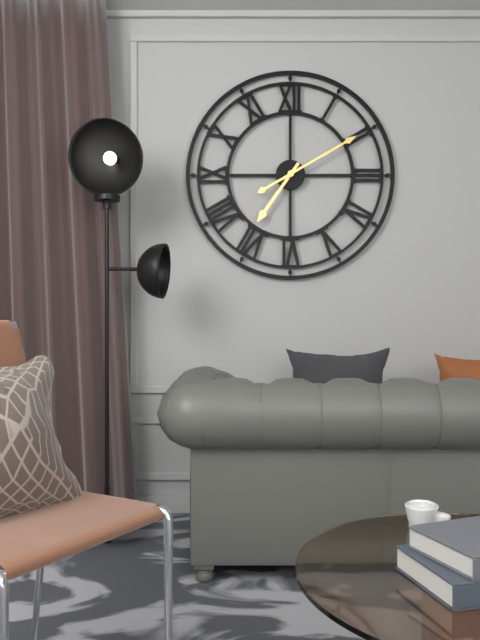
7:10
